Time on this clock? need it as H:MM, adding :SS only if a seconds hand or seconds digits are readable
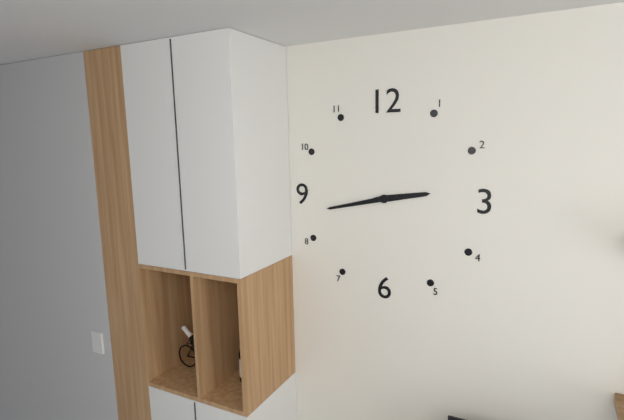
2:43
